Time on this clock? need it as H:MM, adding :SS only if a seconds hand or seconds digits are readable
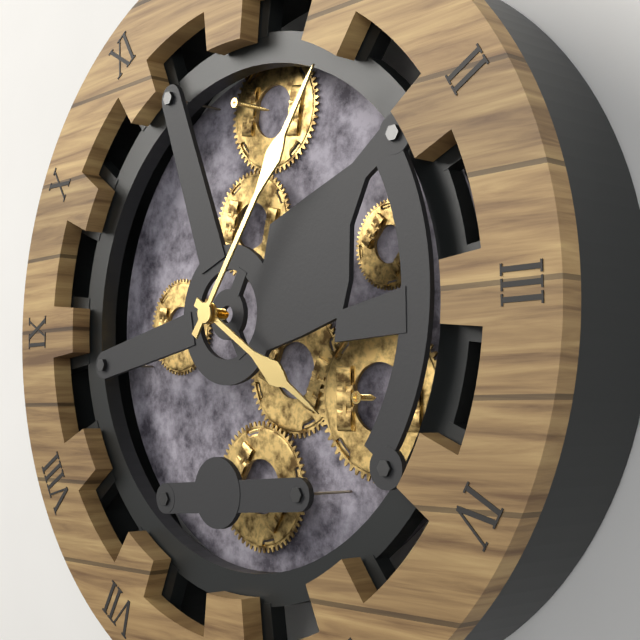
4:06
